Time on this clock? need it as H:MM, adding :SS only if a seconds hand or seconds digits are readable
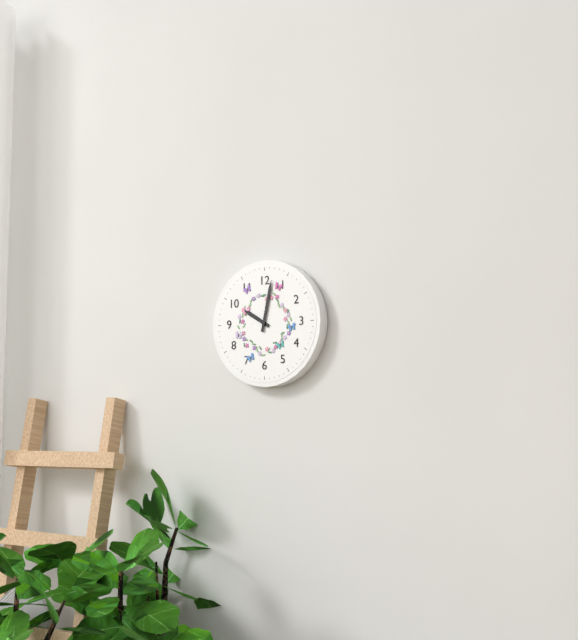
10:02
